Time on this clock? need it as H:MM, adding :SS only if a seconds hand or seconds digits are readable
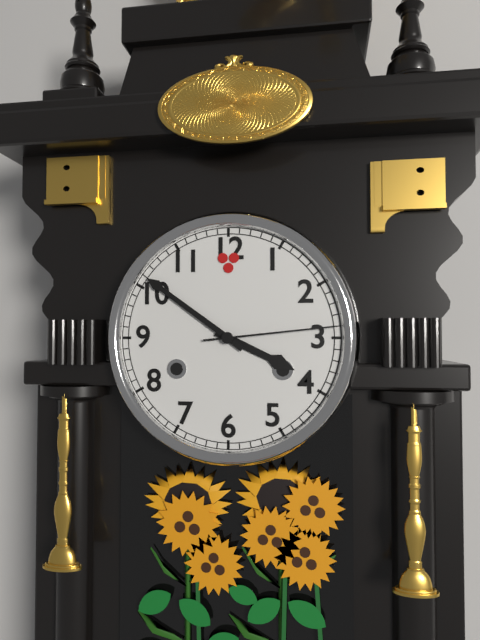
3:51:14
